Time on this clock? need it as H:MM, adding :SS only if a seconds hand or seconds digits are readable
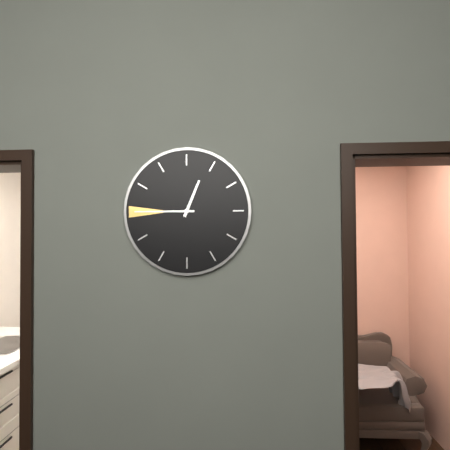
12:45
